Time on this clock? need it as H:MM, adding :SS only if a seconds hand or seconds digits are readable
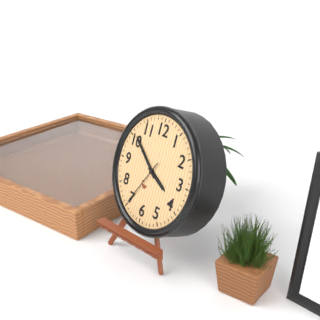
3:51
